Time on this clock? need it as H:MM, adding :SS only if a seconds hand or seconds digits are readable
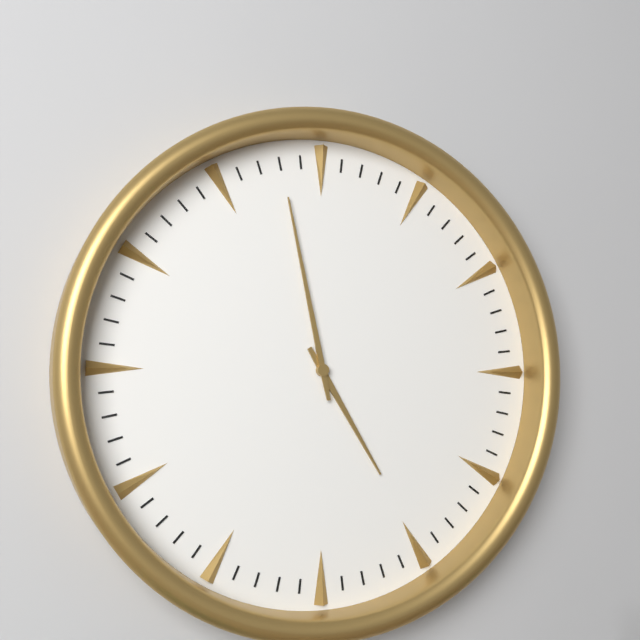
4:58
